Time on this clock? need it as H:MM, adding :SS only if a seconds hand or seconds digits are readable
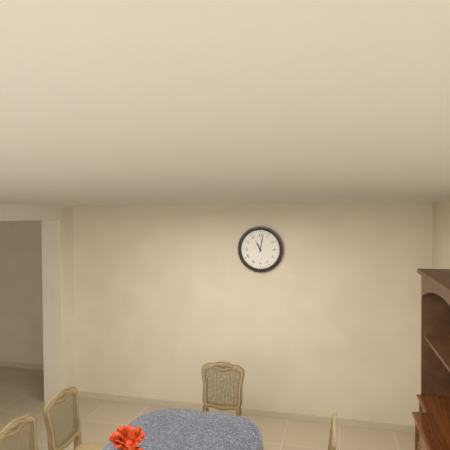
11:02
